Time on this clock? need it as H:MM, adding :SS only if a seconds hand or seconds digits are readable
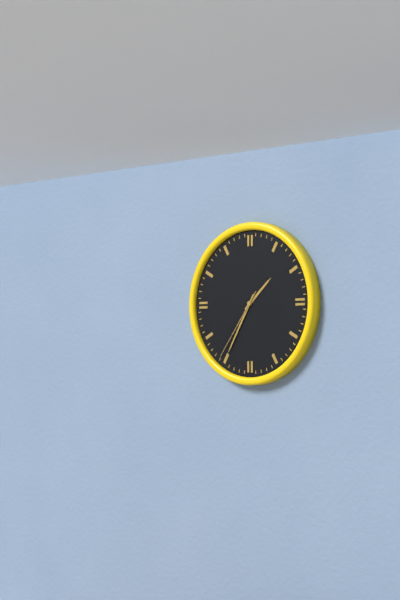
1:35:36
